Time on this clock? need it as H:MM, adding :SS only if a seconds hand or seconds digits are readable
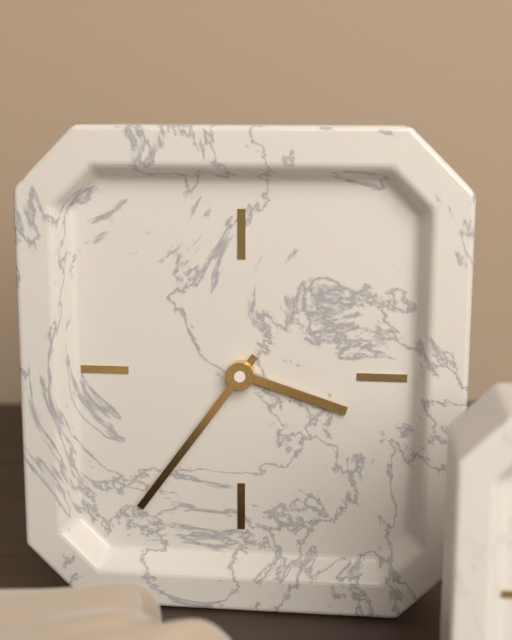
3:36
